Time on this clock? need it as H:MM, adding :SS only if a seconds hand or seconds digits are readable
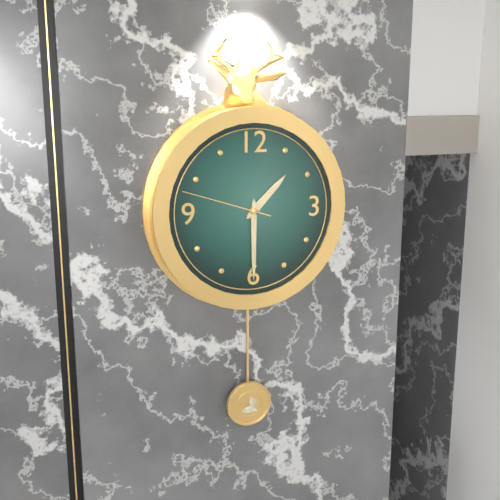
1:30:48
